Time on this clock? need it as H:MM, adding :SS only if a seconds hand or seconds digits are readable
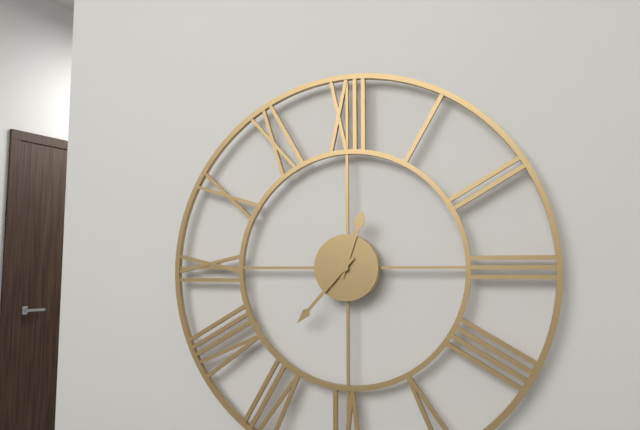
12:37
